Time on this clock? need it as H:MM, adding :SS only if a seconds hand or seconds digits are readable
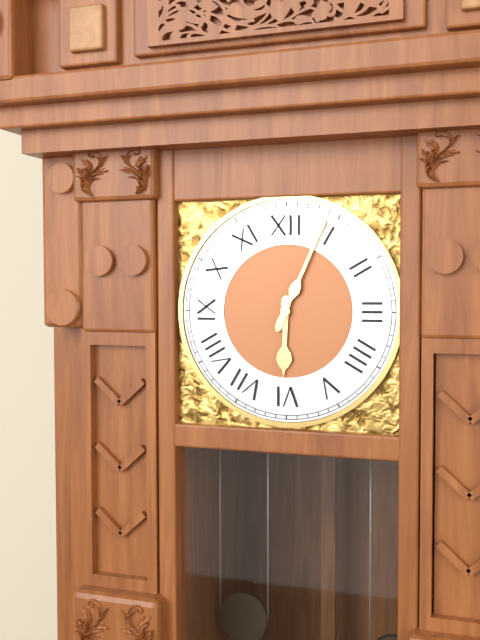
6:04
